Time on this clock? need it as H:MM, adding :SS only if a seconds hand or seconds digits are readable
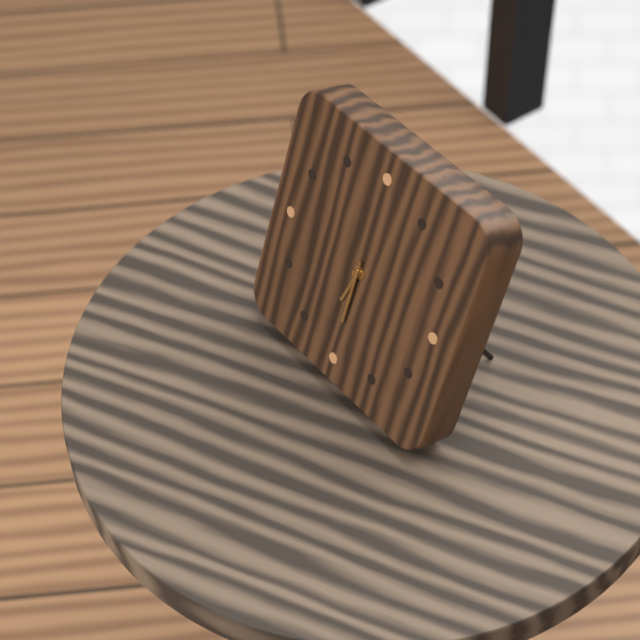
6:30
